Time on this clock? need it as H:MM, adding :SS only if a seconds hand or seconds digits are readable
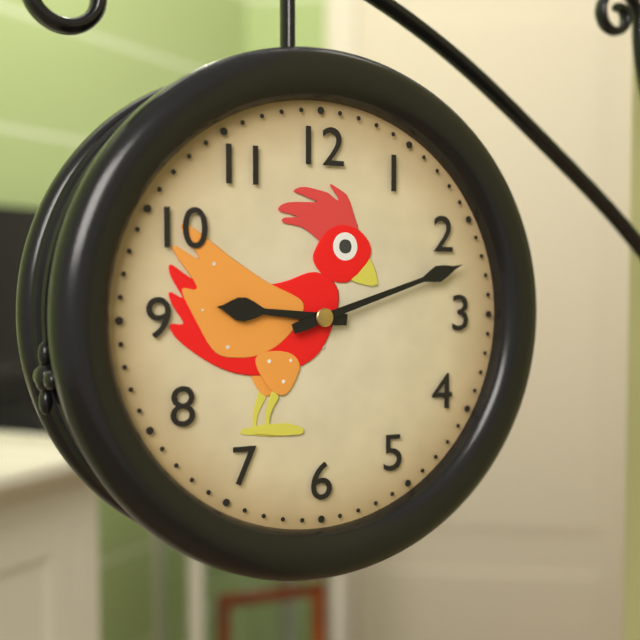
9:12
